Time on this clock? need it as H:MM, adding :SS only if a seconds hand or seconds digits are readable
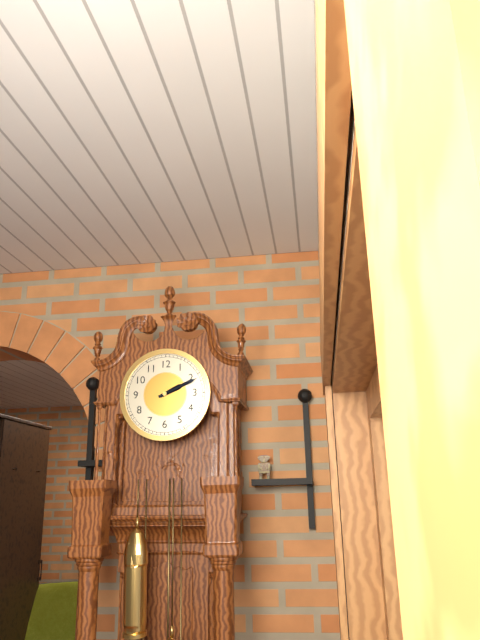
2:11
